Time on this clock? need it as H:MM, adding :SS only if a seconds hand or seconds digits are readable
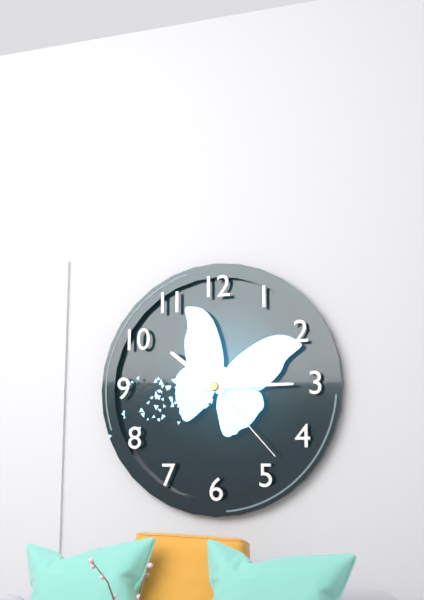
10:15:23
